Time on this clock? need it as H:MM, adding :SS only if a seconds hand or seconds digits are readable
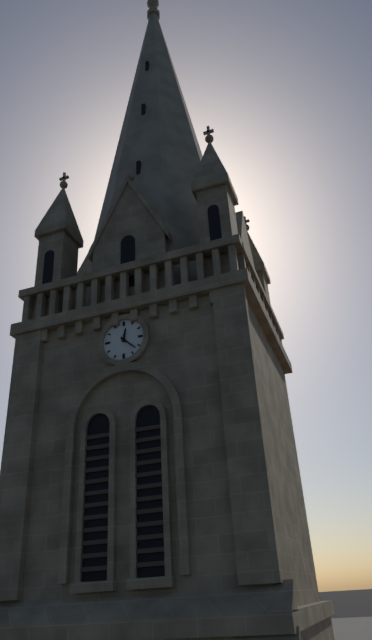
12:22
